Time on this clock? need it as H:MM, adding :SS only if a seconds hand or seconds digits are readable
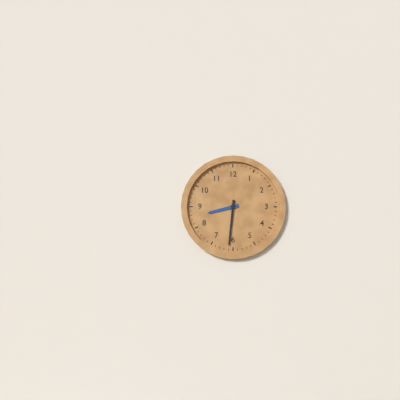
8:31
